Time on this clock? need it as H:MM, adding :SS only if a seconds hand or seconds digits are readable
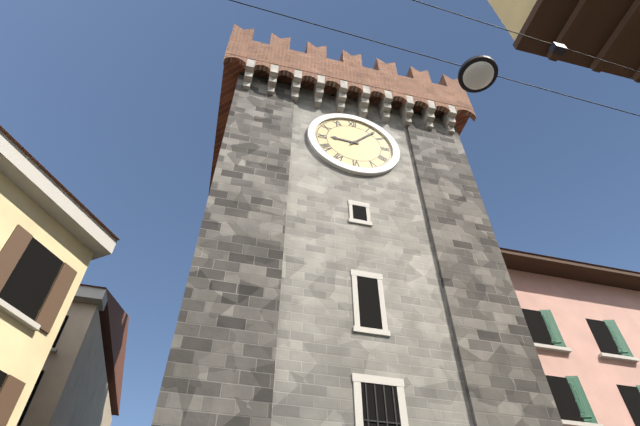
9:07
